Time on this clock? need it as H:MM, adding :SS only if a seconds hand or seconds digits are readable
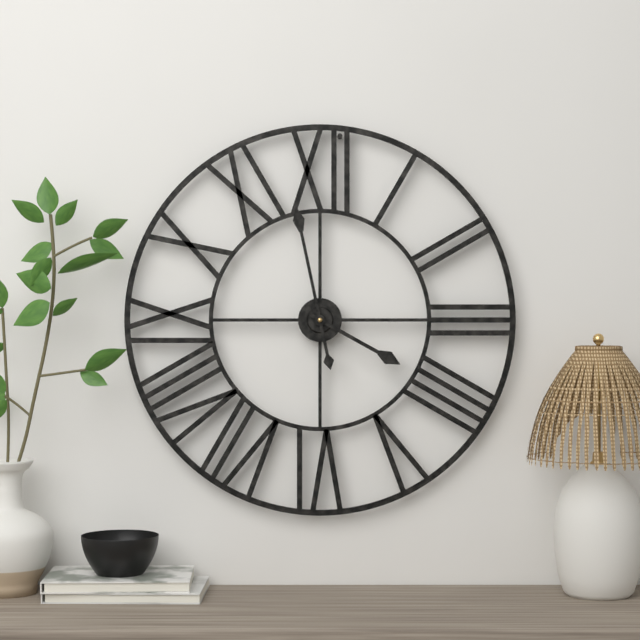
3:58
